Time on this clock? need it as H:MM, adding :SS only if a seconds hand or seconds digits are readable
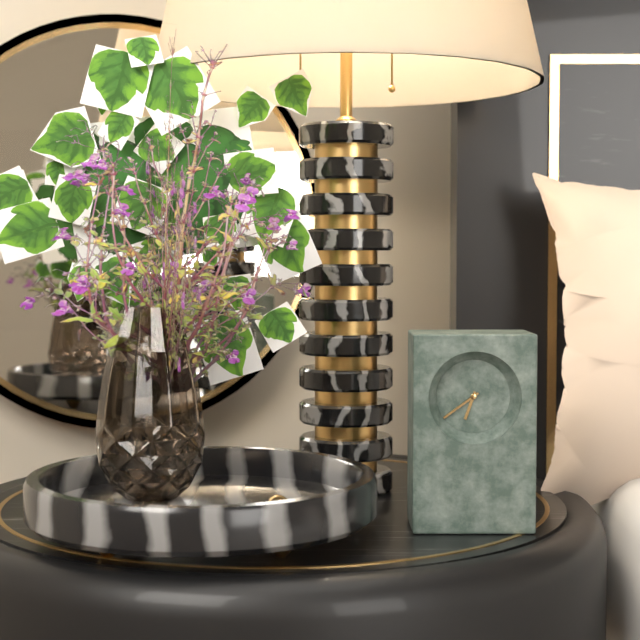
6:39
